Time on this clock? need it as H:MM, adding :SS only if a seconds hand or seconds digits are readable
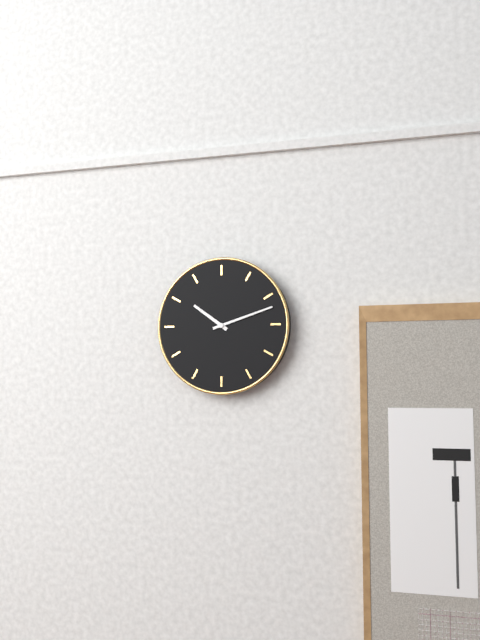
10:12
